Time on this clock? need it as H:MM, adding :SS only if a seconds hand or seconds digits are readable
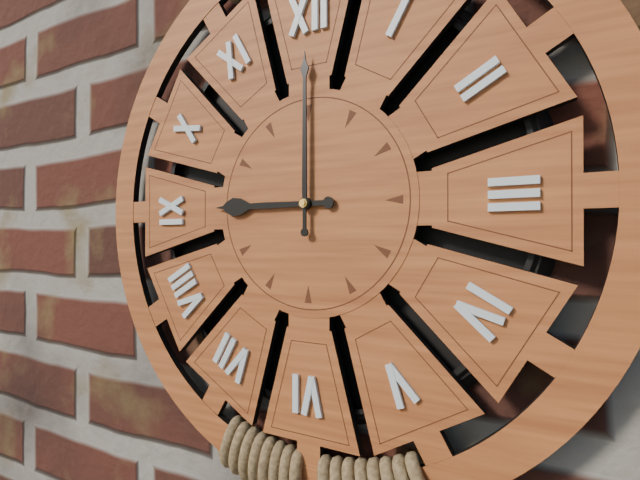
9:00
